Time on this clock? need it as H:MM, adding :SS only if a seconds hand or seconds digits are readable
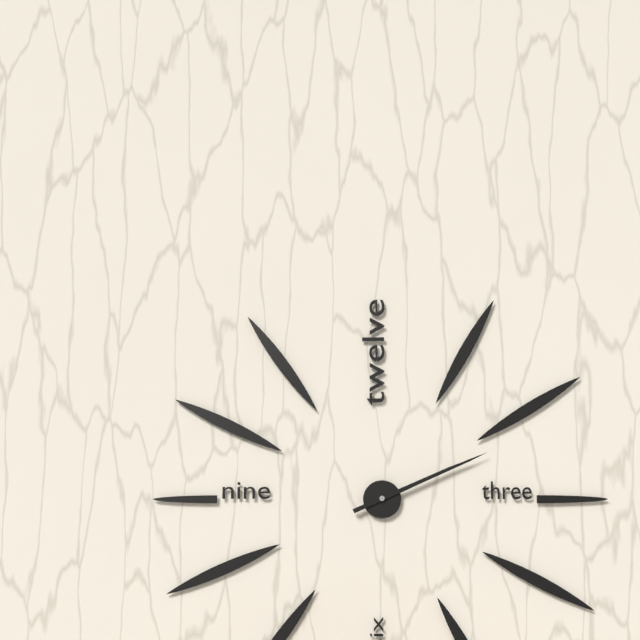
2:11
